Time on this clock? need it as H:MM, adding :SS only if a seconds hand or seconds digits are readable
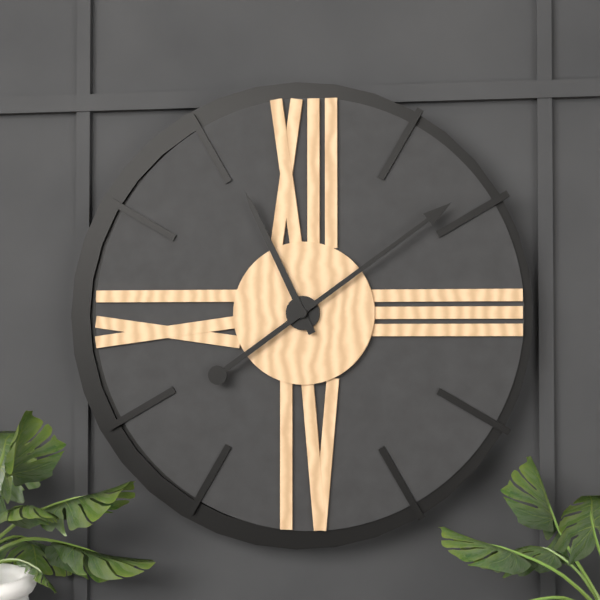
11:09
